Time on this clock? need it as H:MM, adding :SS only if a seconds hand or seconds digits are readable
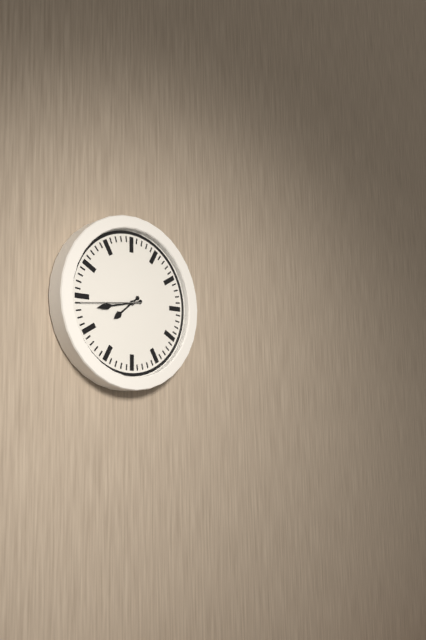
7:43:44
